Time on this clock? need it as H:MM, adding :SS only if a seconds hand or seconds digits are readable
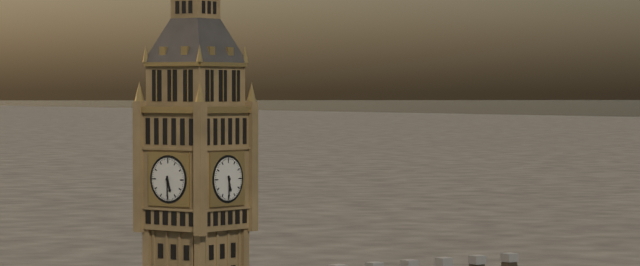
5:30
